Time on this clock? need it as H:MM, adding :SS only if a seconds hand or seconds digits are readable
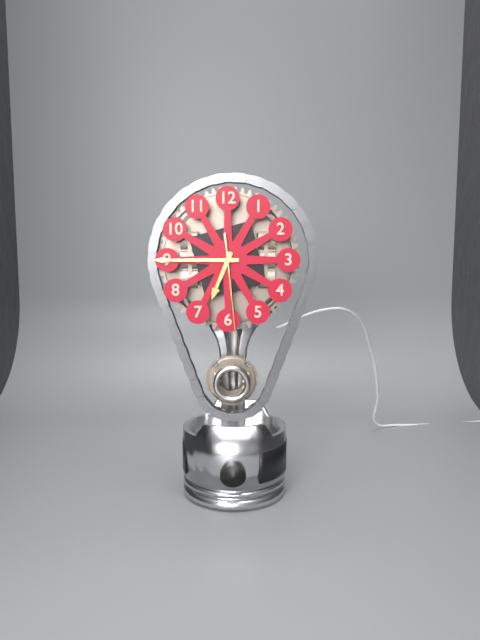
6:45:29
